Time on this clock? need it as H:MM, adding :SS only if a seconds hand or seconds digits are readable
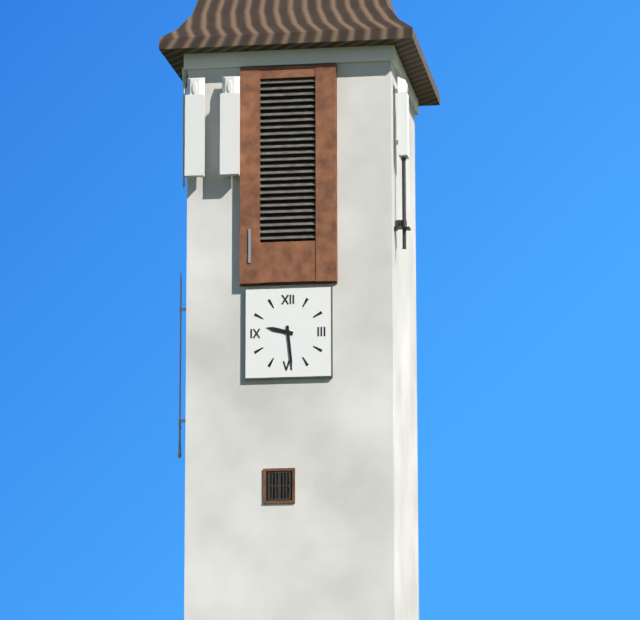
9:29
